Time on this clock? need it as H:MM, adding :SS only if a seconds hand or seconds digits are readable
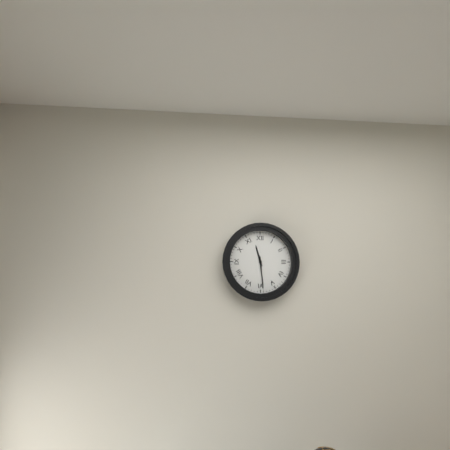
11:29
